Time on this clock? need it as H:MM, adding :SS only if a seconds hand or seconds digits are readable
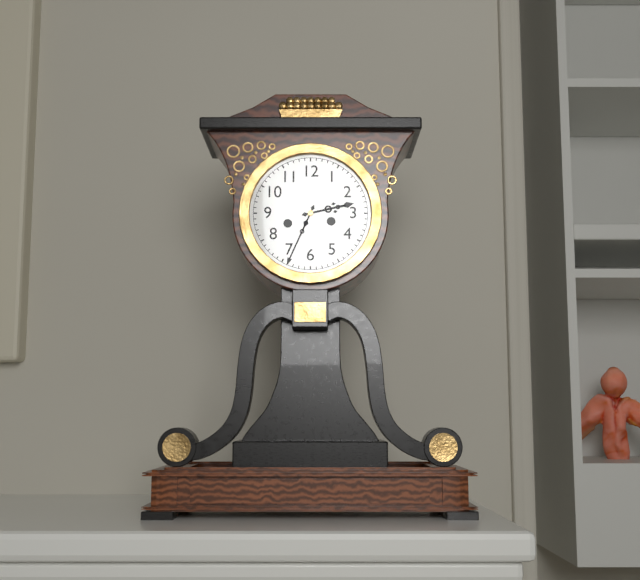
2:34
